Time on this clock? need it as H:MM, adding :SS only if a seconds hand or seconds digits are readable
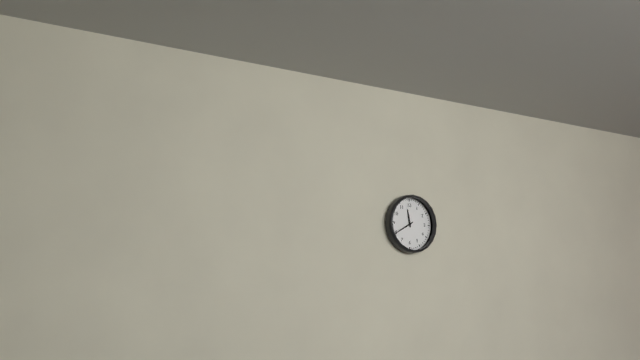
11:40
